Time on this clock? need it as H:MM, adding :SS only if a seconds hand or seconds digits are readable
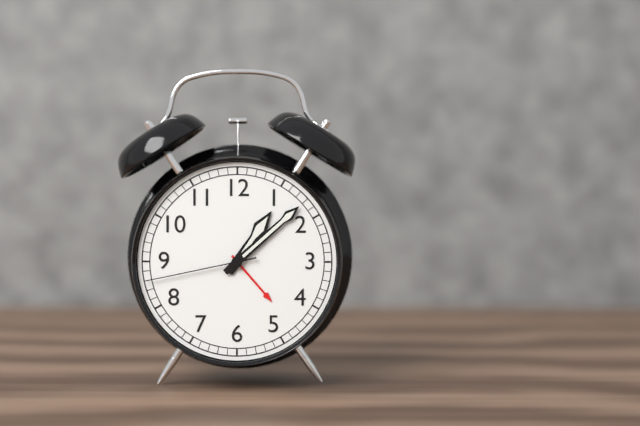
1:08:43
